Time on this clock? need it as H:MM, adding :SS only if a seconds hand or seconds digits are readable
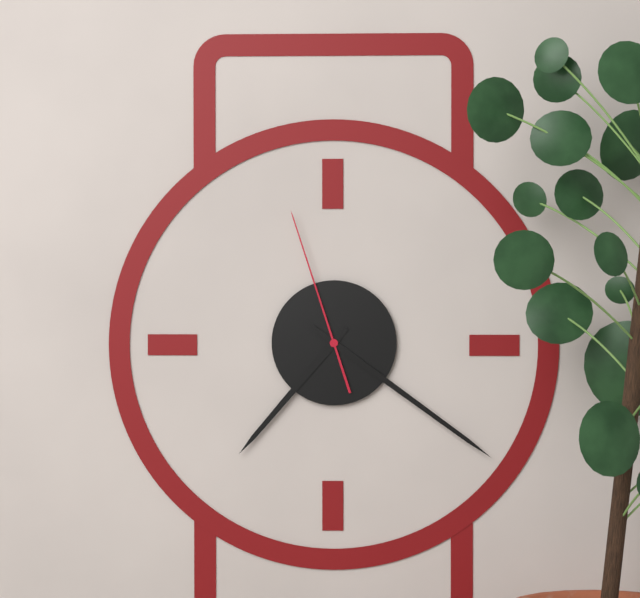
7:21:57
